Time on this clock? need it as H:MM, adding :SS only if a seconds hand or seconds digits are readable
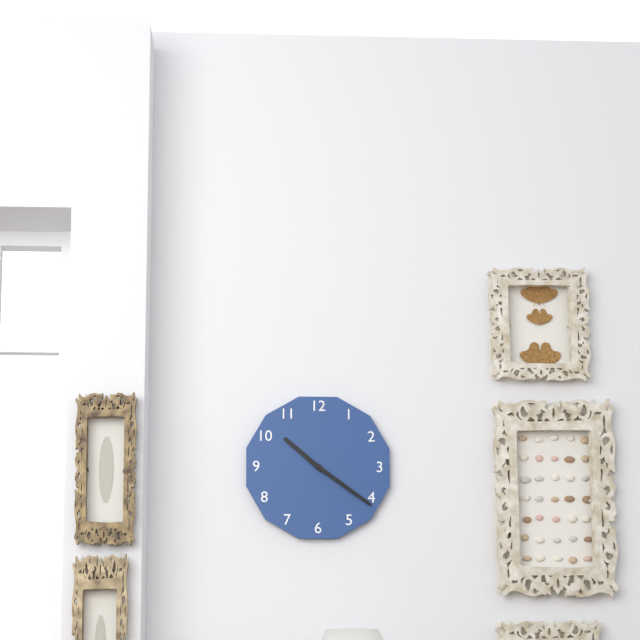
10:21
